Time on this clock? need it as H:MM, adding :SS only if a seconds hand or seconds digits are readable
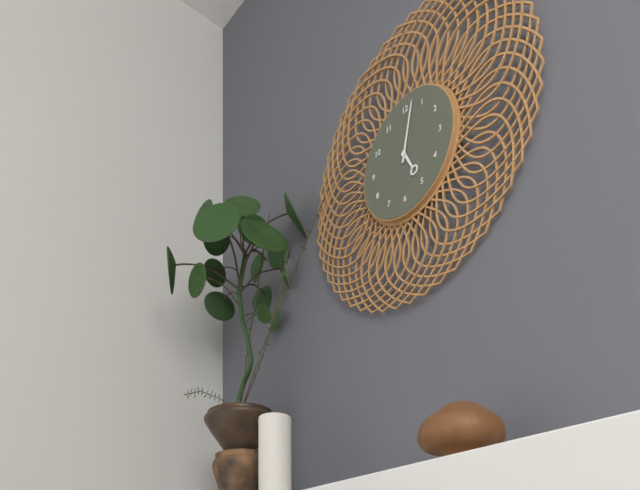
5:02
